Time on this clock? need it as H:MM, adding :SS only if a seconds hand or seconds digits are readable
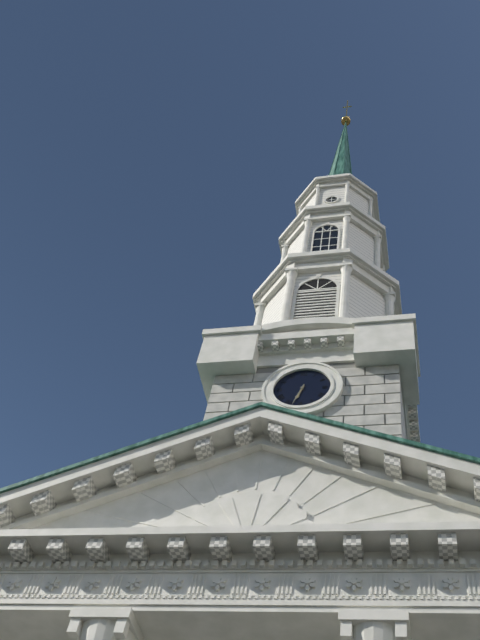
6:33
